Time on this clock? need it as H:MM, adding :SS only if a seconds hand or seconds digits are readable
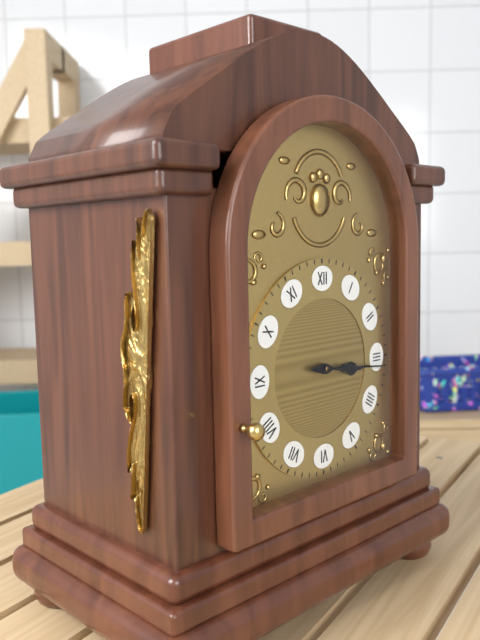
3:16
